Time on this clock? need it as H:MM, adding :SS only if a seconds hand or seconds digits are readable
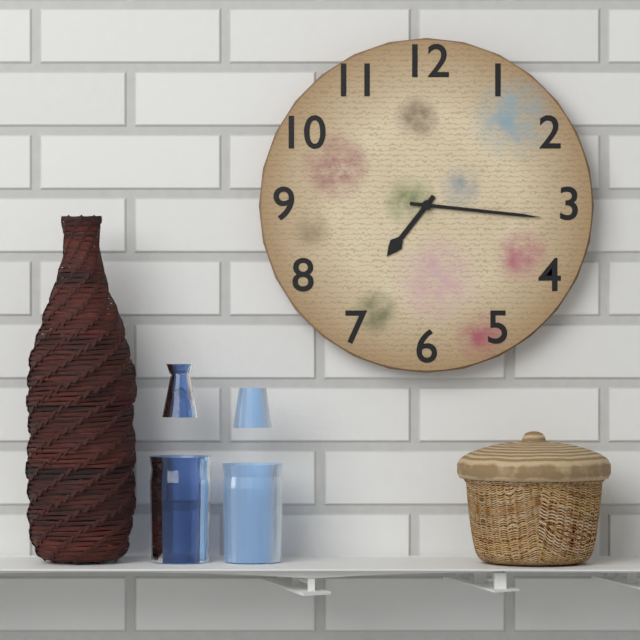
7:16
